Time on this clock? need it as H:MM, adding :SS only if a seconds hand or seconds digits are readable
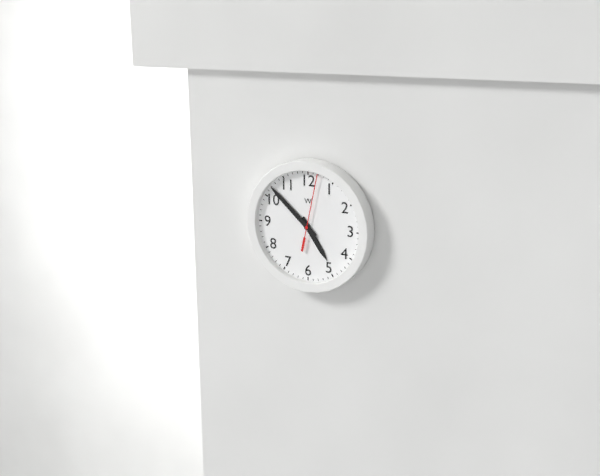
4:52:02
